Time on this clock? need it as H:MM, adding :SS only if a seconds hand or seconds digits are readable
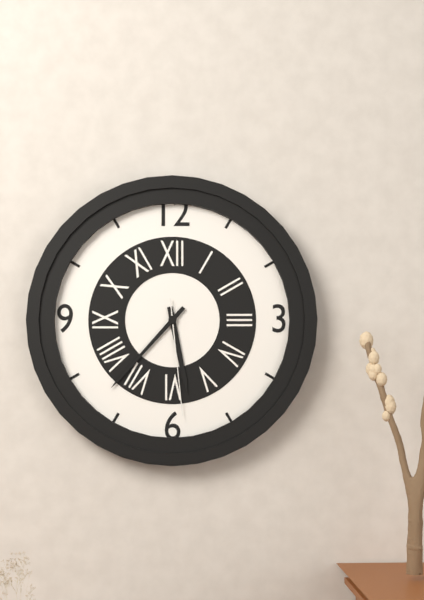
5:37:29
